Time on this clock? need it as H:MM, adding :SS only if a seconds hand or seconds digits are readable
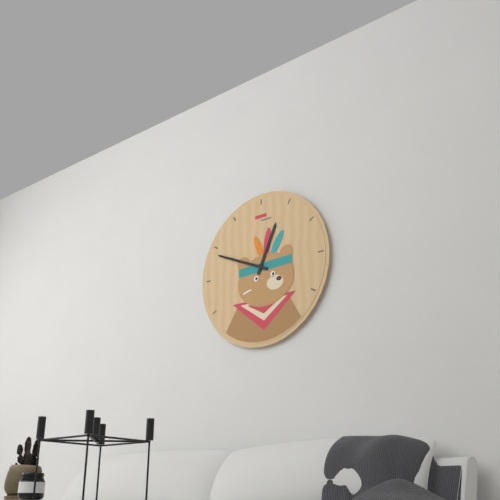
12:49
